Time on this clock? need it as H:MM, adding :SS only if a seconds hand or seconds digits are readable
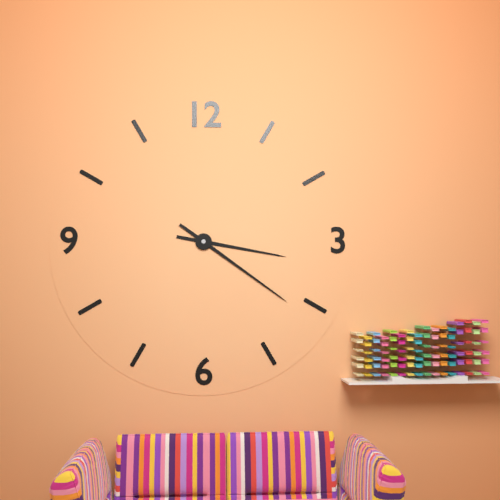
3:21
